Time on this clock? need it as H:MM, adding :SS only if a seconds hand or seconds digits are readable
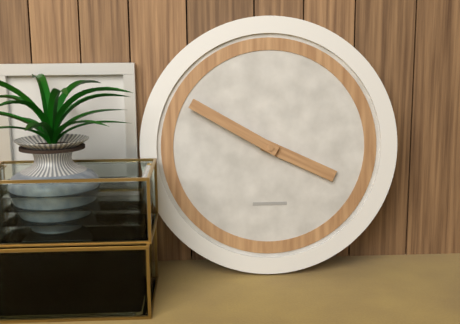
3:50
